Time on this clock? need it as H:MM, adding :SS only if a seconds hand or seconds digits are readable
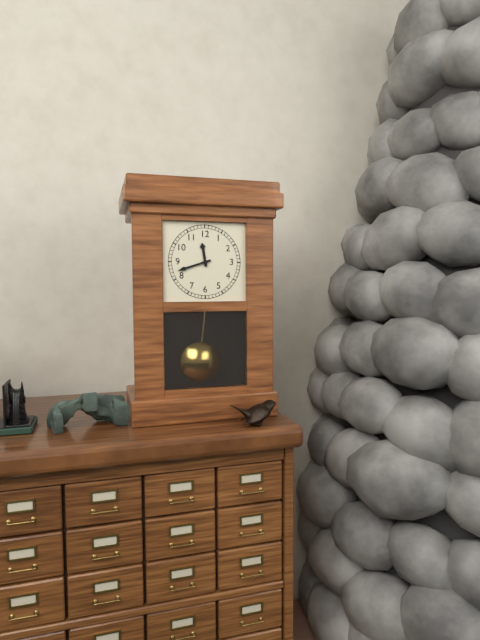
11:42
